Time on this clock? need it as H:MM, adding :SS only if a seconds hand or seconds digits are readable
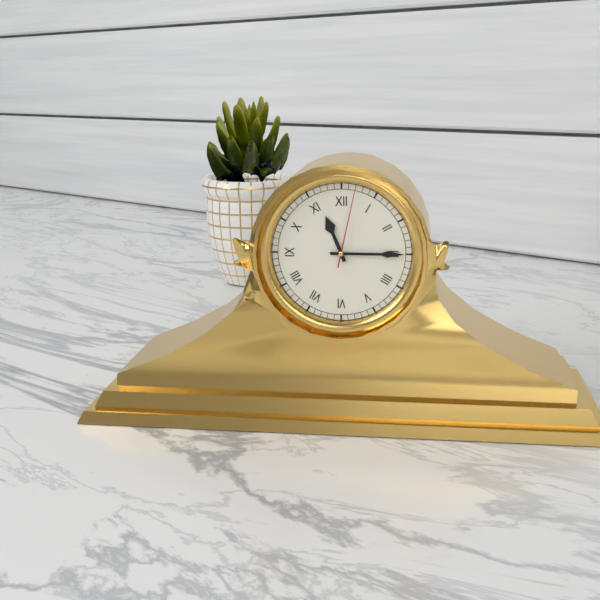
11:15:02
